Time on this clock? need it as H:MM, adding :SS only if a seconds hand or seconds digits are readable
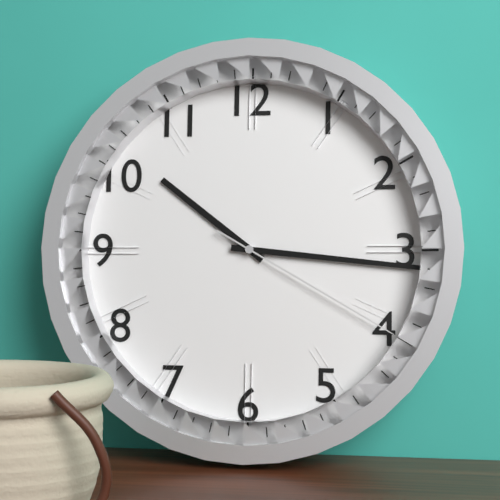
10:16:20
